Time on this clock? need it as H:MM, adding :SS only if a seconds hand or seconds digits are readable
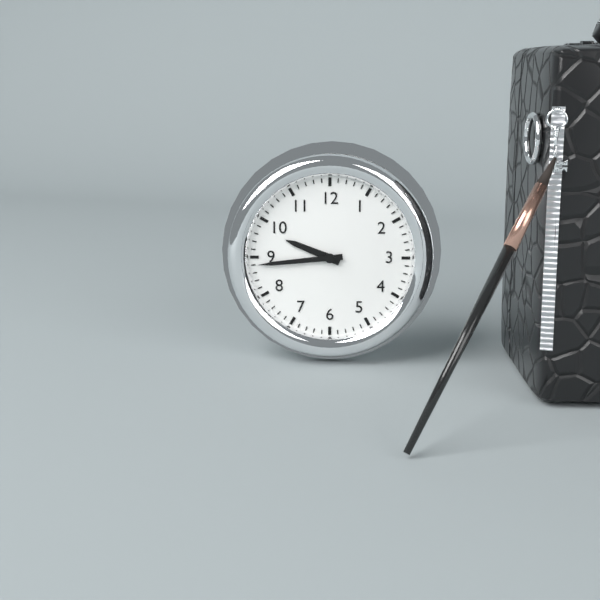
9:44
